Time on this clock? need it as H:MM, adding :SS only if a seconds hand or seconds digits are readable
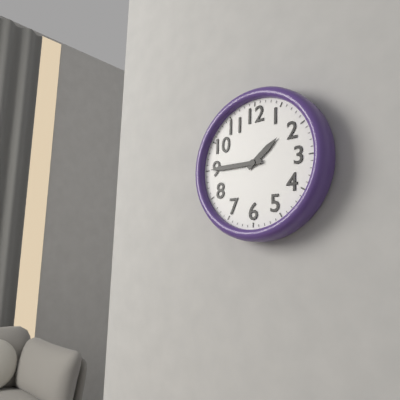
1:45
